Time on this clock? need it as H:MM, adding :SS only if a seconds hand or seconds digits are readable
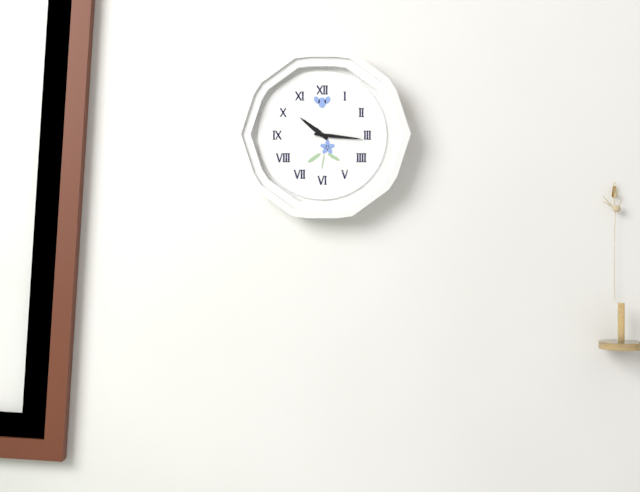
10:16
